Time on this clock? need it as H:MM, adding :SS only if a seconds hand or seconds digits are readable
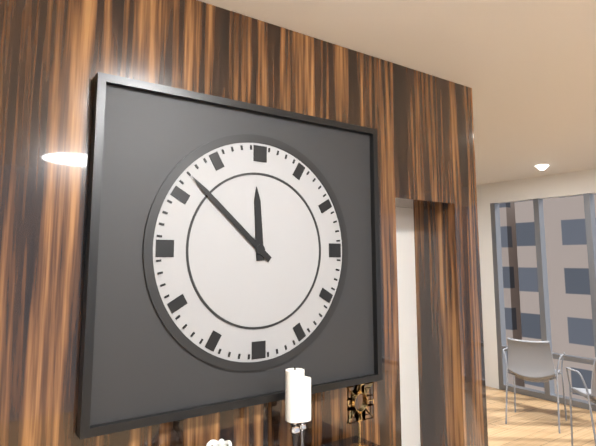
11:52
